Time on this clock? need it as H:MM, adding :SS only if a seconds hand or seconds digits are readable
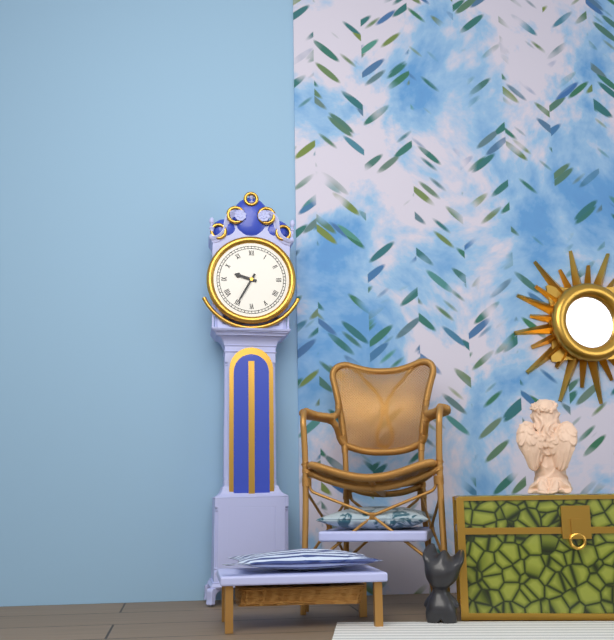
9:35
